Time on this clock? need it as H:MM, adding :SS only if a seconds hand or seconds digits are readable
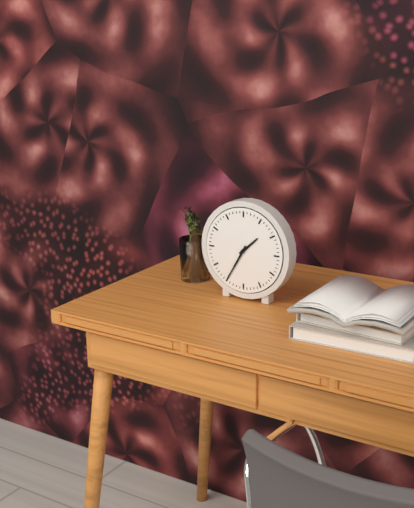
1:35
